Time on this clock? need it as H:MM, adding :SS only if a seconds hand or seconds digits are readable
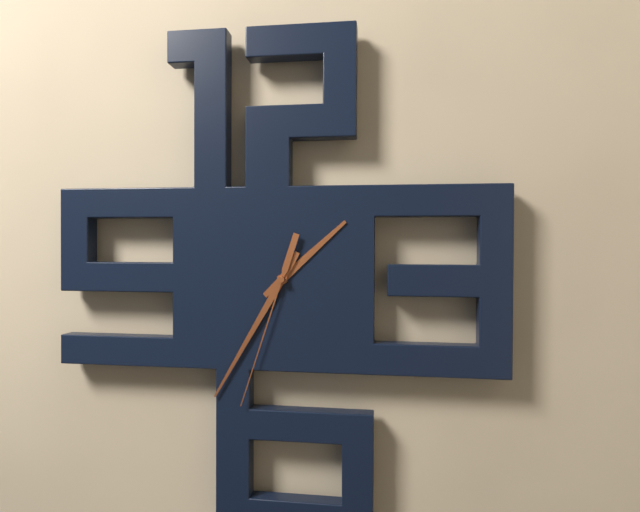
1:35:33
